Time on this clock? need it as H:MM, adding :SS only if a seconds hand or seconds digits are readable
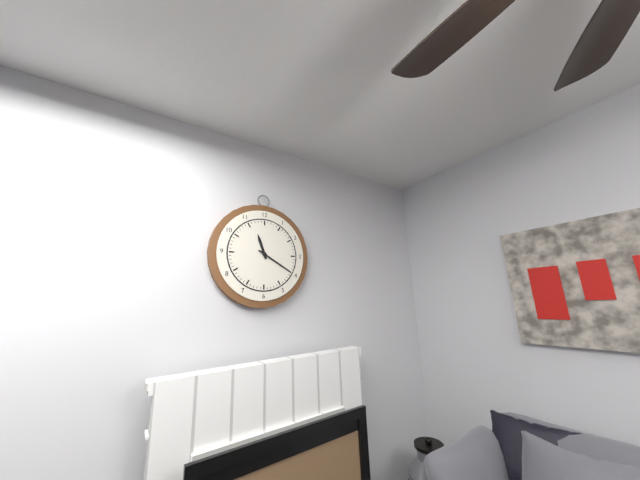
11:20
